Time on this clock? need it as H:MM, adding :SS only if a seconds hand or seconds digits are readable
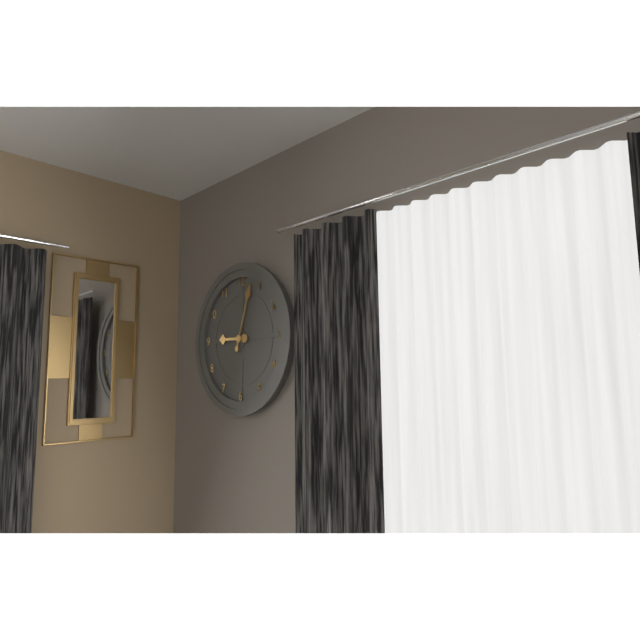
9:03
